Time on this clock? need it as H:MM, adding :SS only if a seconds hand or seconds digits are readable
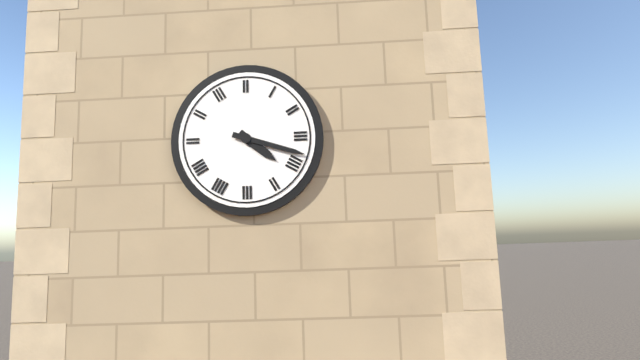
4:18
